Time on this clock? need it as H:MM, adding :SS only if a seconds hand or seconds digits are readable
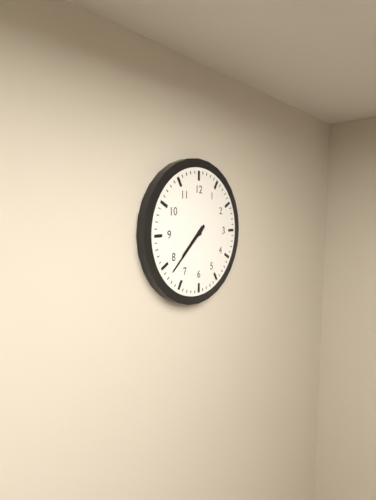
7:38
